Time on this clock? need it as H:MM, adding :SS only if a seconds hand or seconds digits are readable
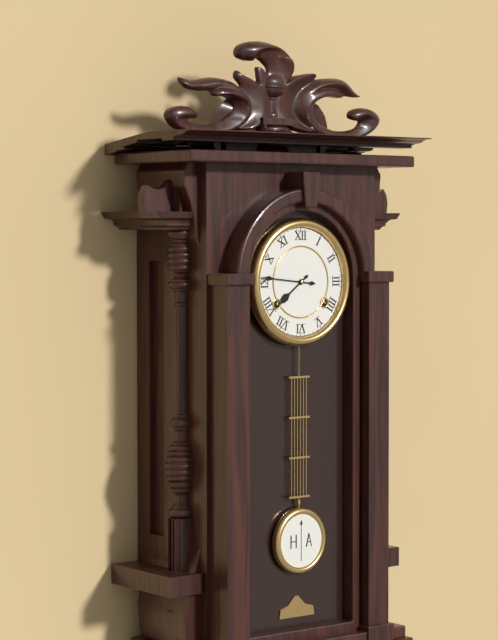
7:46
